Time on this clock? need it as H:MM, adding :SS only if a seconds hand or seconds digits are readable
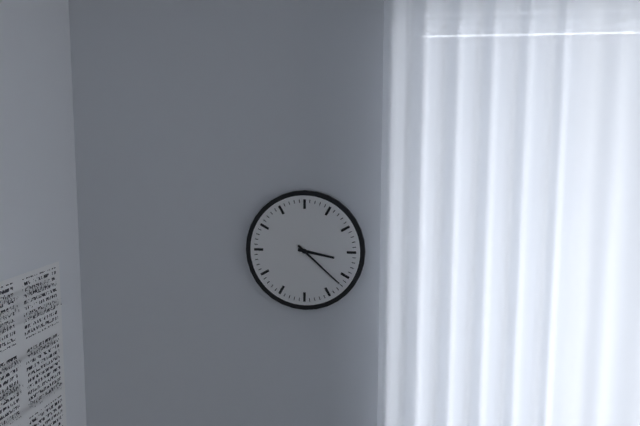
3:22
